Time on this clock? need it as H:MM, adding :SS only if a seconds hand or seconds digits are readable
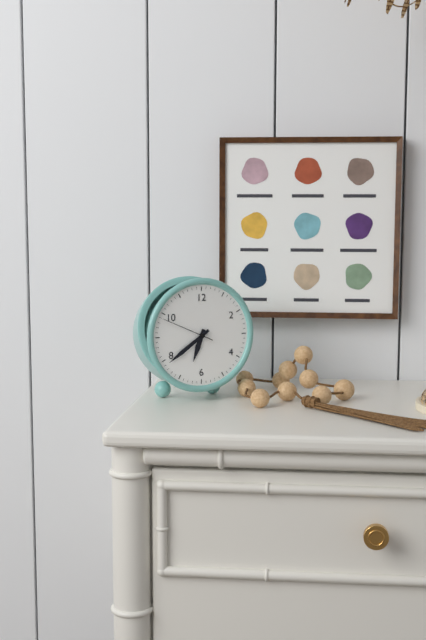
6:39:49
